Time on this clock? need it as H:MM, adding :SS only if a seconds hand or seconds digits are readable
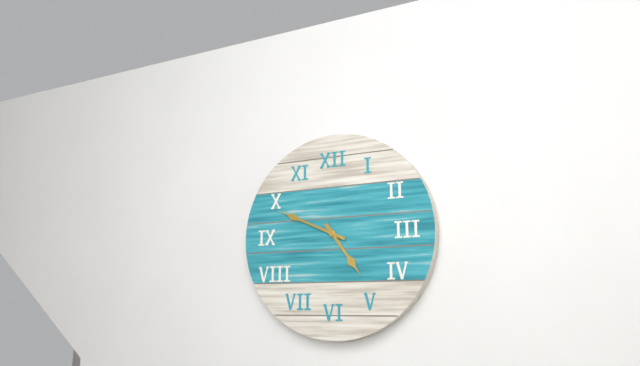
4:49
